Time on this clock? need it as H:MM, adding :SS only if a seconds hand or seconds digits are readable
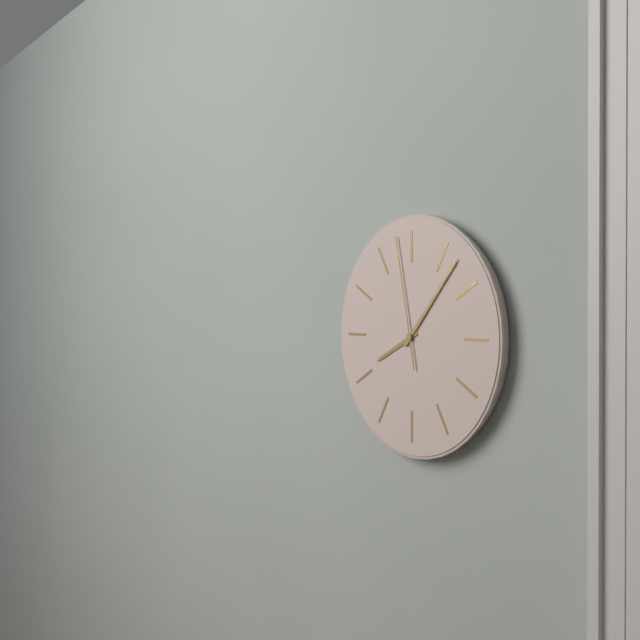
8:07:58
